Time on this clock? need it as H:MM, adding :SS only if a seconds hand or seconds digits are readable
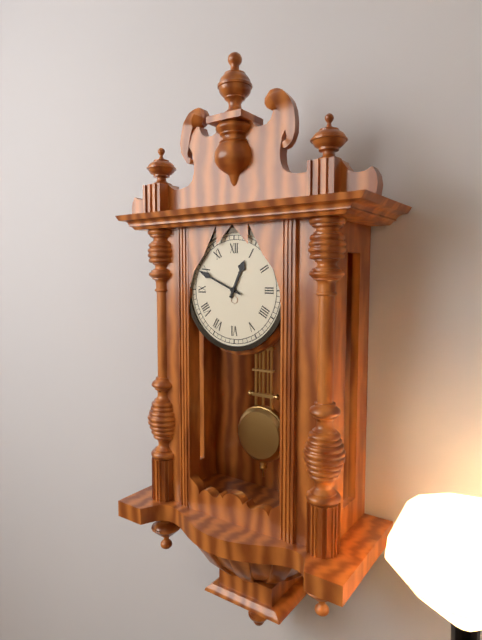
12:49
